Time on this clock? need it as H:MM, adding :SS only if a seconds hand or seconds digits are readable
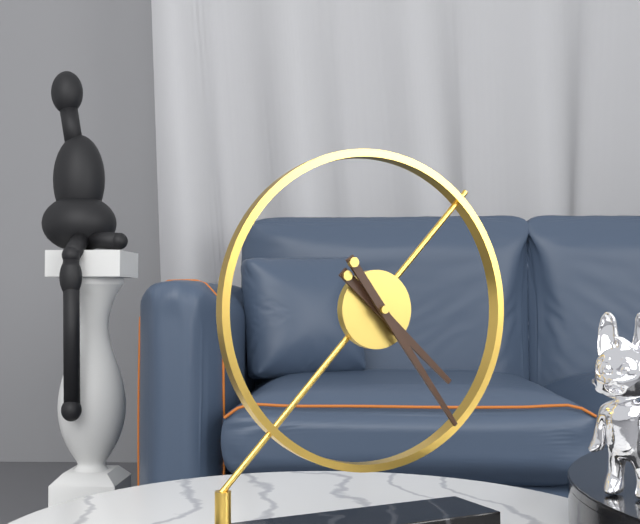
4:24
